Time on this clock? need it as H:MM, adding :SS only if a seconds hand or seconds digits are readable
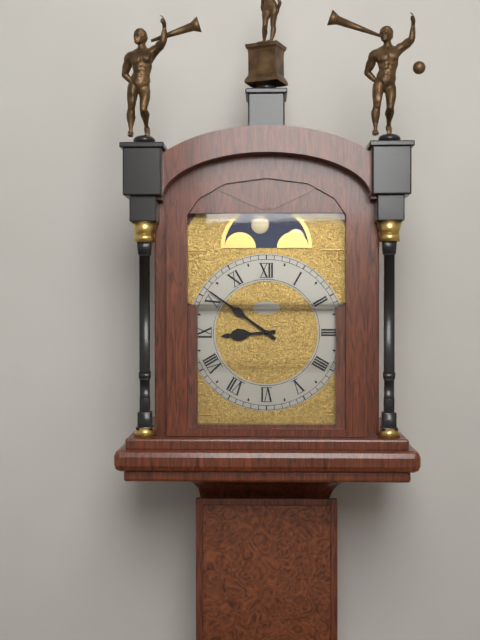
8:51
